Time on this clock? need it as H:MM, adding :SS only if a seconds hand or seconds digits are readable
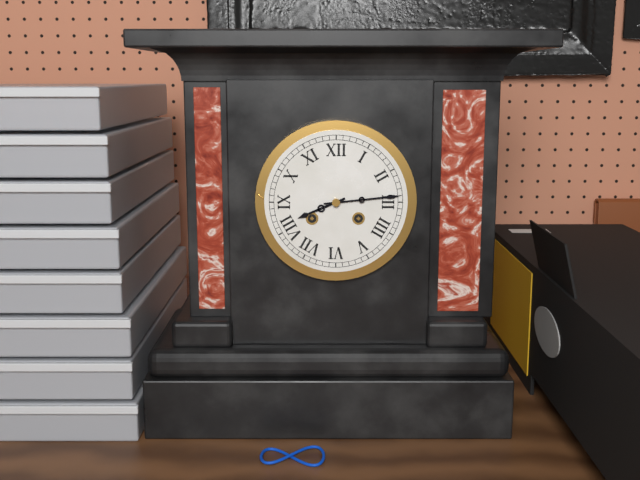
8:14
